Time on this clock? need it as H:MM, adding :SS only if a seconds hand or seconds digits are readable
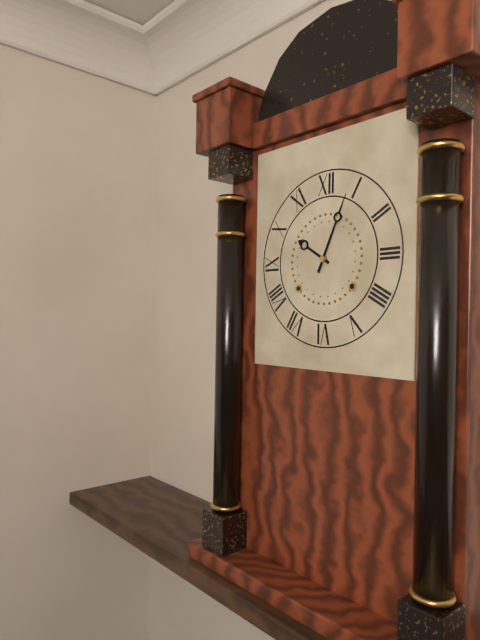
10:04
